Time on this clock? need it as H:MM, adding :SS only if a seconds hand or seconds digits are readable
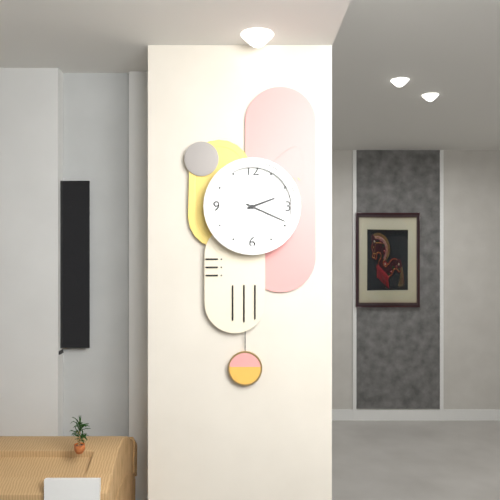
2:19
